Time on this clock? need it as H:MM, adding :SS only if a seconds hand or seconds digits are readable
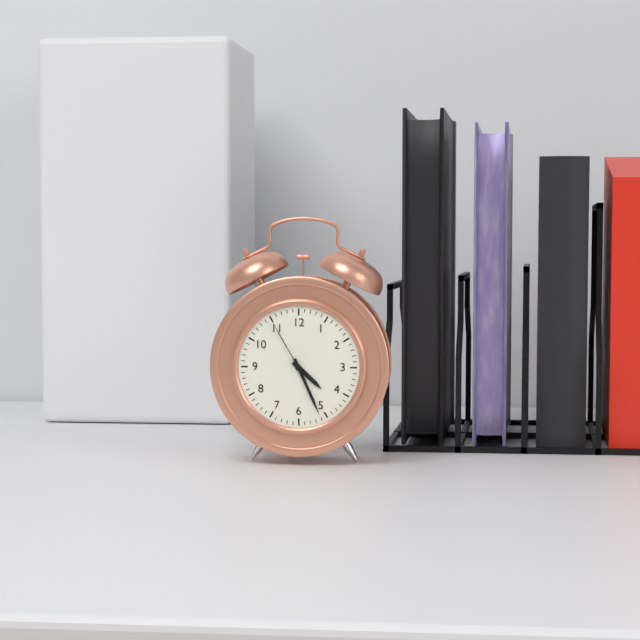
4:26:55
